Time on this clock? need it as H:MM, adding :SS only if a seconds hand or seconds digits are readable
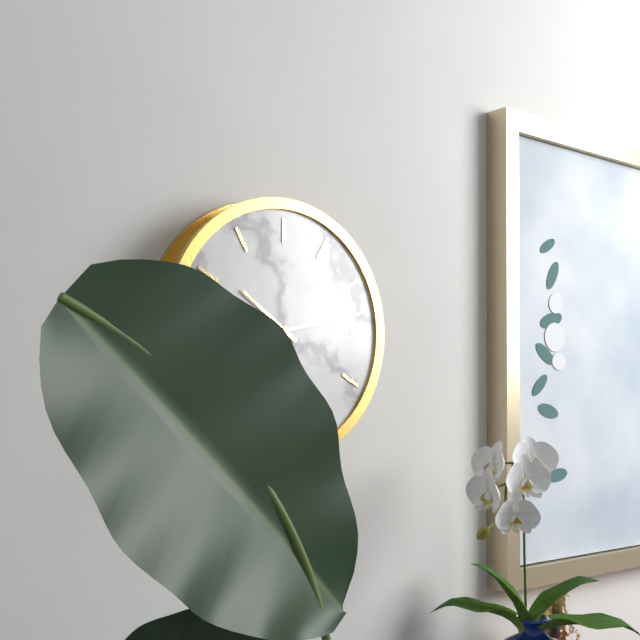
10:13
